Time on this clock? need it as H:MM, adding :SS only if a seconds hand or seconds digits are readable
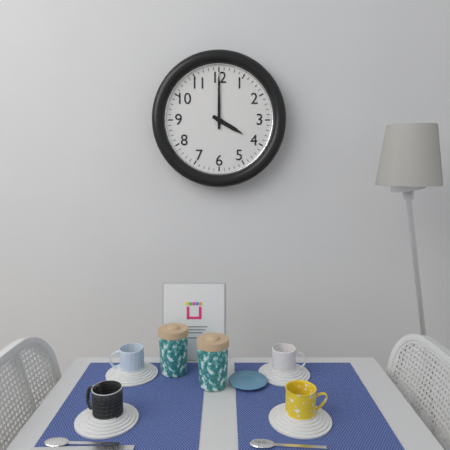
4:00
